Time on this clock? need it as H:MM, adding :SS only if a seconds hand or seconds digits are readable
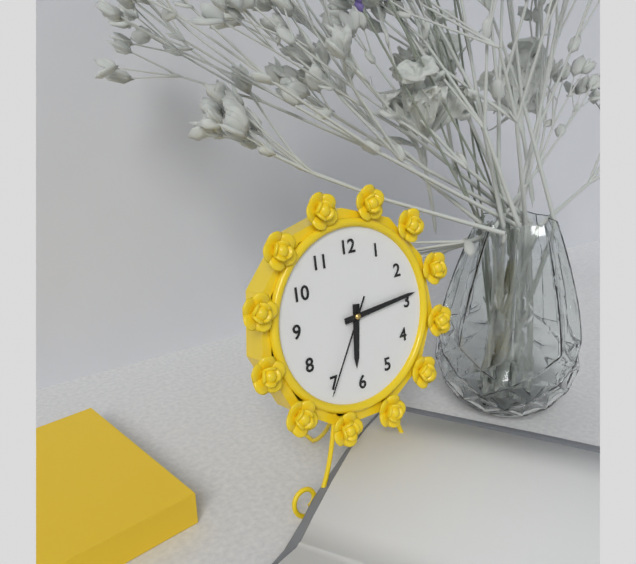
6:14:35
